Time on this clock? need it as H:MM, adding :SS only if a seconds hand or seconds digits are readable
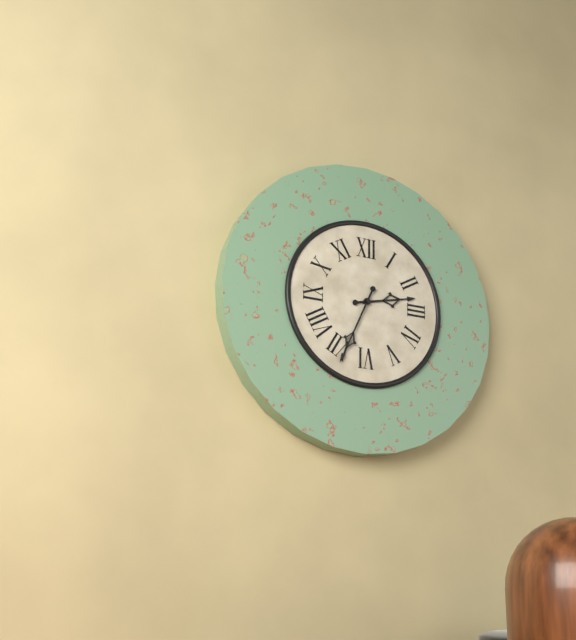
2:34
